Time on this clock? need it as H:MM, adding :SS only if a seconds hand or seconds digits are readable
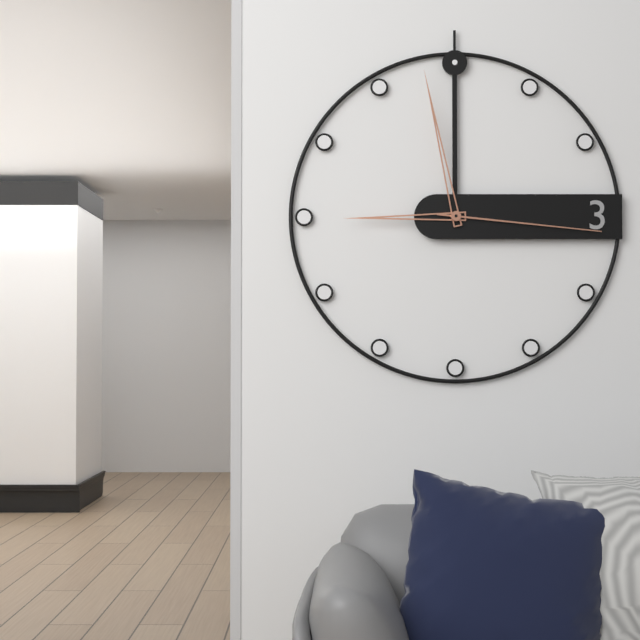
8:58:16
